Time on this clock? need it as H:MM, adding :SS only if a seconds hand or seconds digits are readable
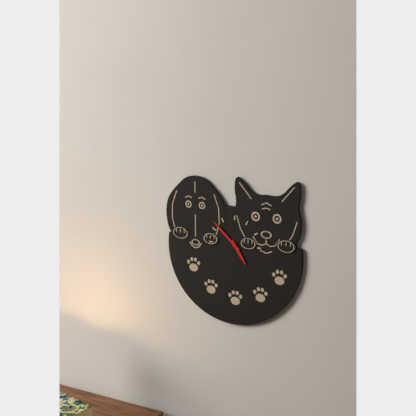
4:52
